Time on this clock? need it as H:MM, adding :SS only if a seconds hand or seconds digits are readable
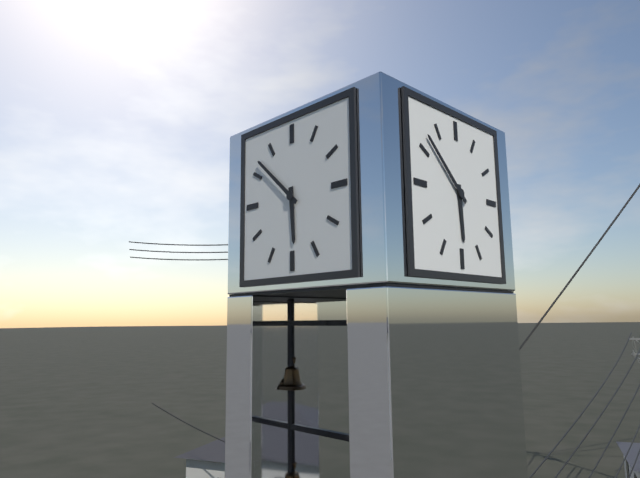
5:52
